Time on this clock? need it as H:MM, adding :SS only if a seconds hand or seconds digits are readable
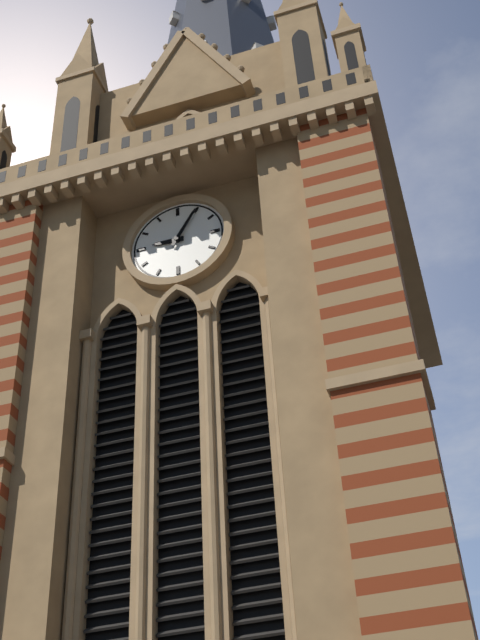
9:05
